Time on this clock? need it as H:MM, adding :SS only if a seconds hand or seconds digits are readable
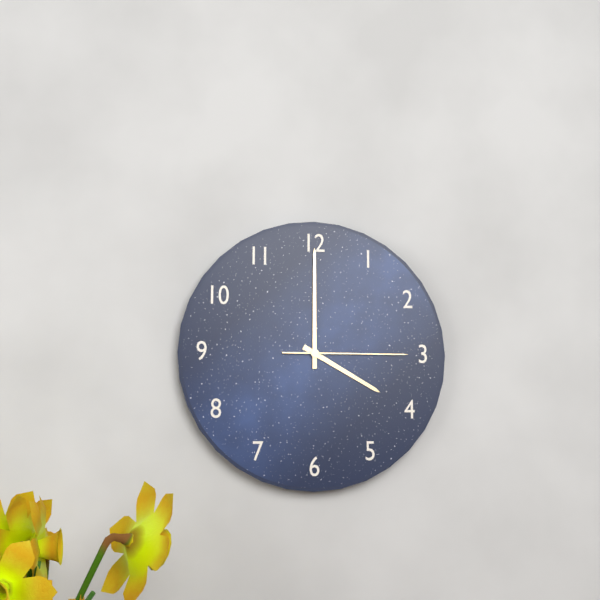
4:00:15
